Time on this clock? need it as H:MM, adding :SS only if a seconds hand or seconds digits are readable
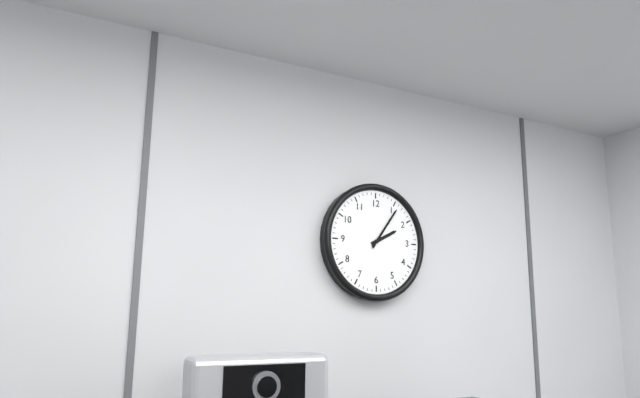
2:06
